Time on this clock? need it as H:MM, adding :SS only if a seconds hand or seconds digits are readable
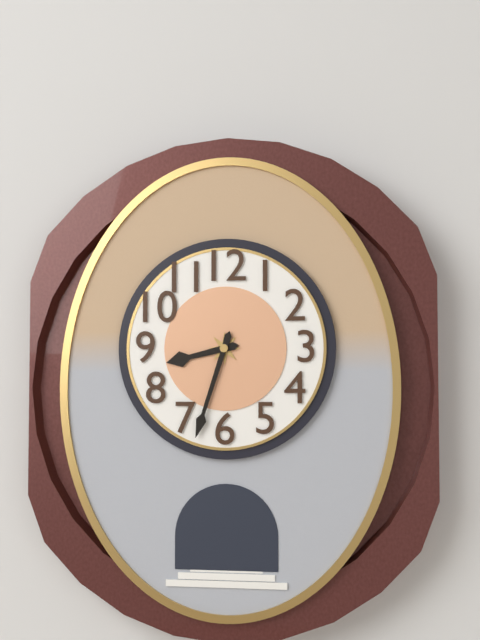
8:33
